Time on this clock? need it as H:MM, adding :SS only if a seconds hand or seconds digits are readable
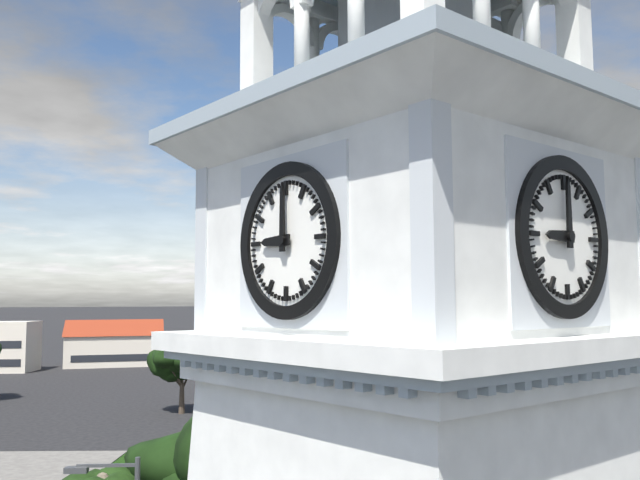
9:00
